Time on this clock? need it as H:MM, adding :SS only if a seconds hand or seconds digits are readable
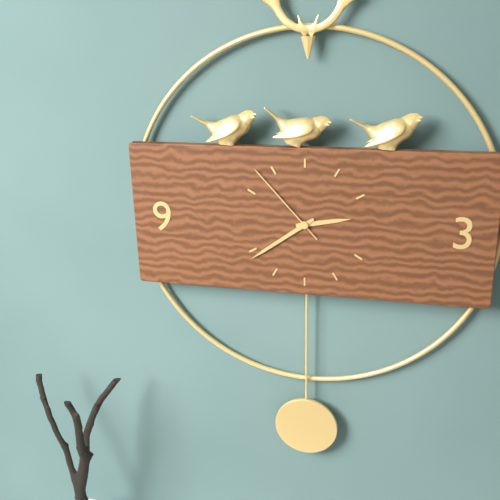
2:39:53
